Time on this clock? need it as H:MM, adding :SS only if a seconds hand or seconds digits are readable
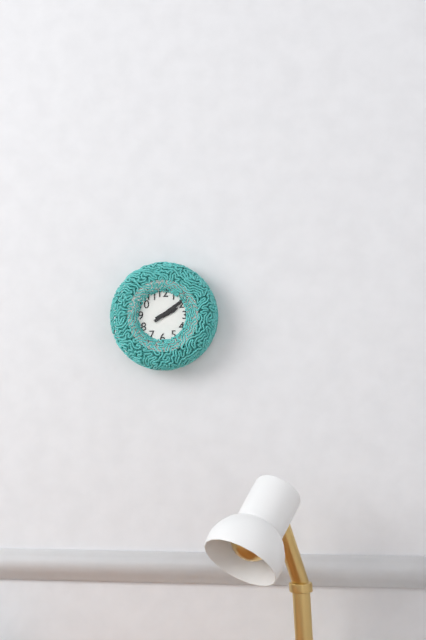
2:09
